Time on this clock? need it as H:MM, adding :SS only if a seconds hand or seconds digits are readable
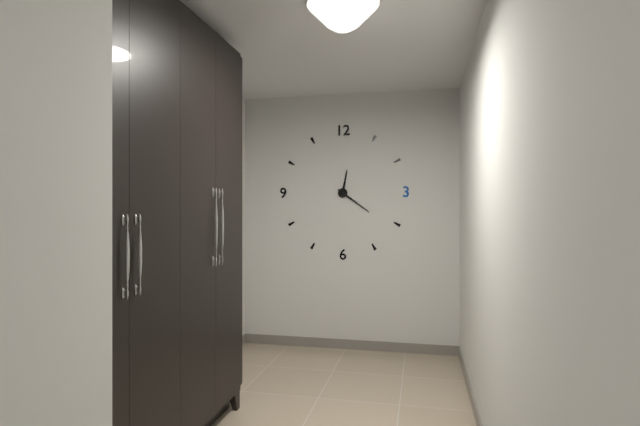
12:21
